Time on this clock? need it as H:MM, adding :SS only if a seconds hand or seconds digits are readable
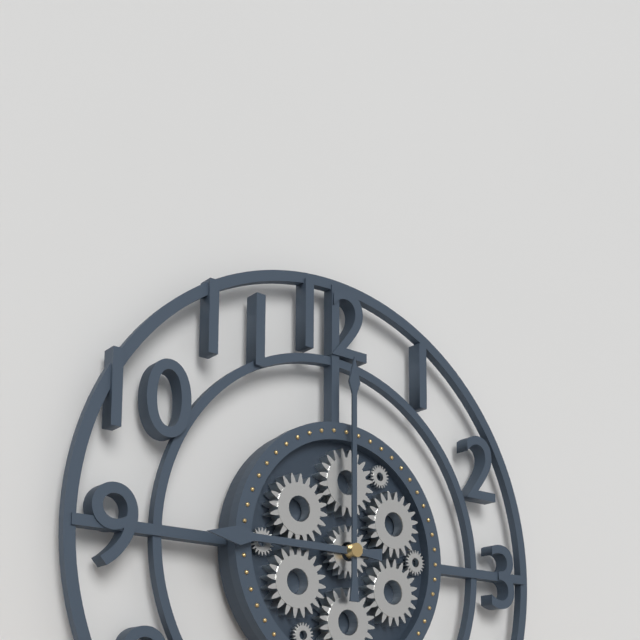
9:00
